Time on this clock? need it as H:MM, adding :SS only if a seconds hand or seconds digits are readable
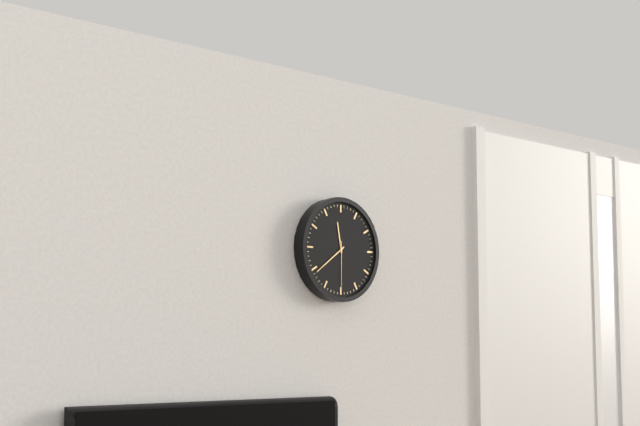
11:39
